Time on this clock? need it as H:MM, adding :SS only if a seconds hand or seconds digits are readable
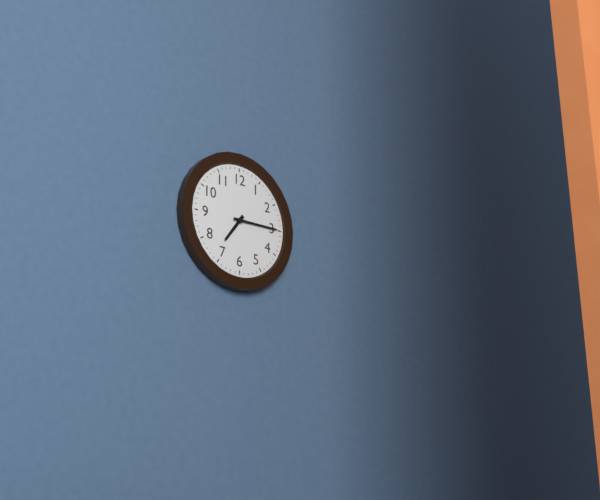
7:15
